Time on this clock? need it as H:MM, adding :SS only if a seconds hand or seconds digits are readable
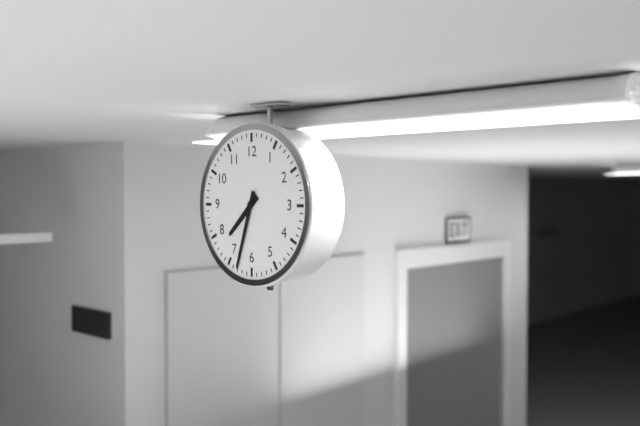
7:33
